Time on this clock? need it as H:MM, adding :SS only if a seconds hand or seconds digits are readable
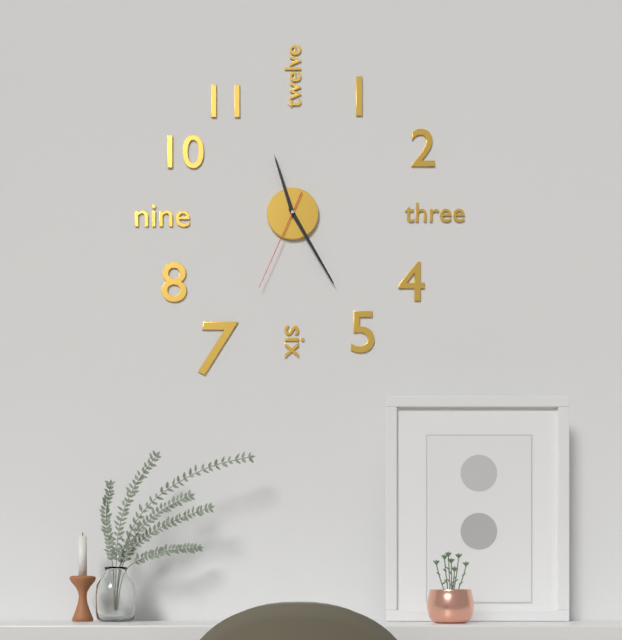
11:25:34
